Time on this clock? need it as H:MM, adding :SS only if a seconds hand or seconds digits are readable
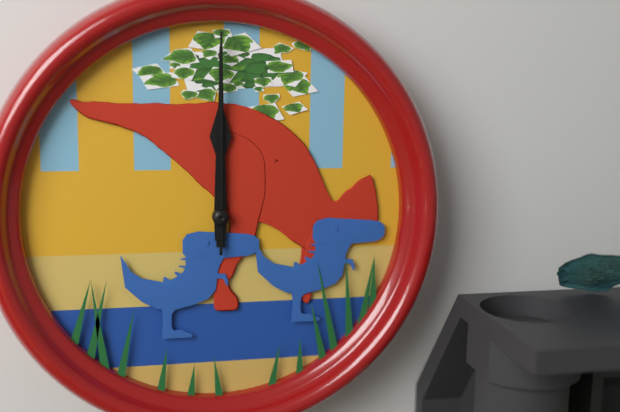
12:00:00
